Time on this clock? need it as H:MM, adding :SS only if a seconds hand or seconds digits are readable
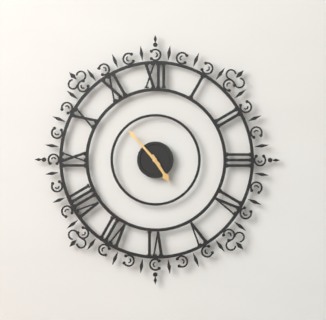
4:53
